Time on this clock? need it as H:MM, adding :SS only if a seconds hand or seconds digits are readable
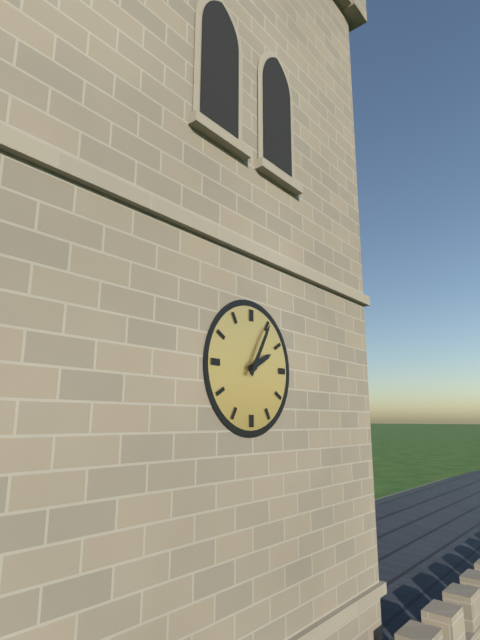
2:05
